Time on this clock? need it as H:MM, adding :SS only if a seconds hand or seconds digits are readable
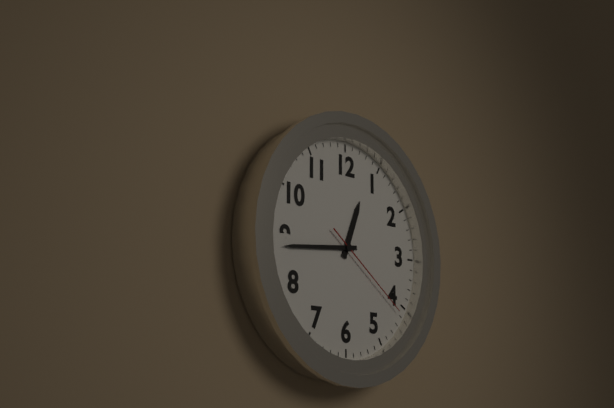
12:44:21
